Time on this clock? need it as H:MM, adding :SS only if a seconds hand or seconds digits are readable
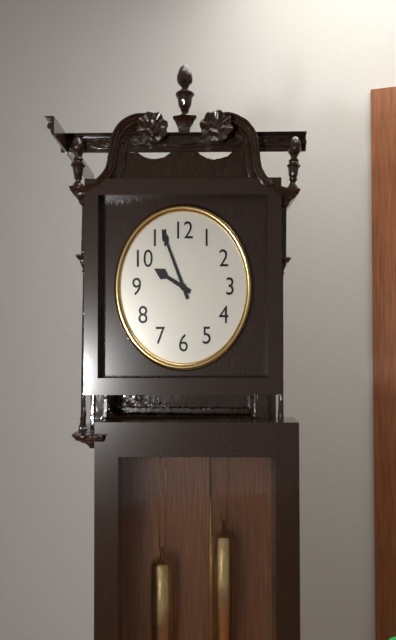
9:56
